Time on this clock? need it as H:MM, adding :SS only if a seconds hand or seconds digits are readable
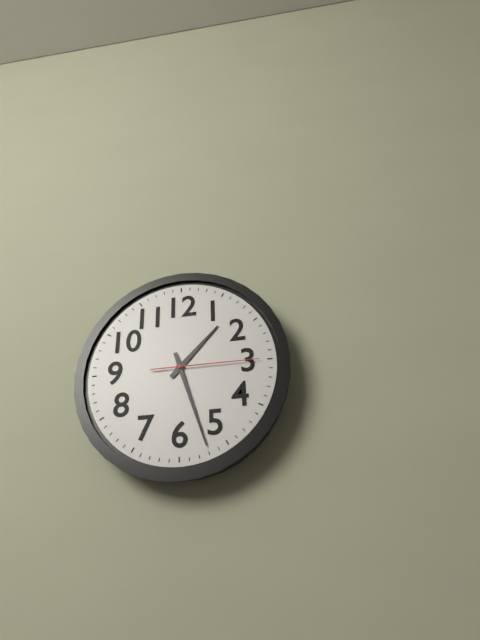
1:27:15
